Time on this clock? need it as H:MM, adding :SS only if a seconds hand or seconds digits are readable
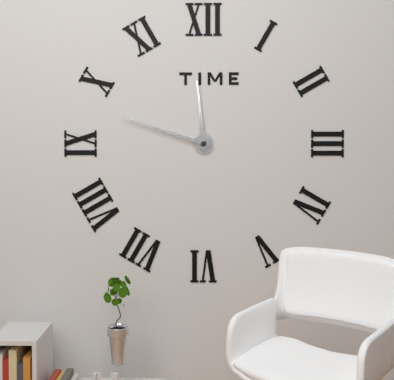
11:48
